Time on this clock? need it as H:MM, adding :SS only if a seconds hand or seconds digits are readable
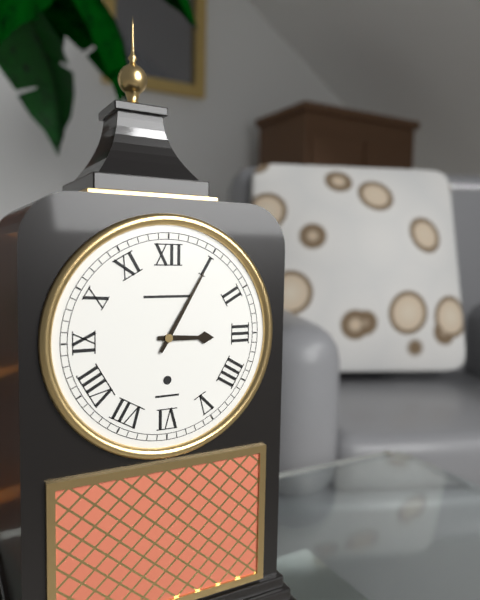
3:05
